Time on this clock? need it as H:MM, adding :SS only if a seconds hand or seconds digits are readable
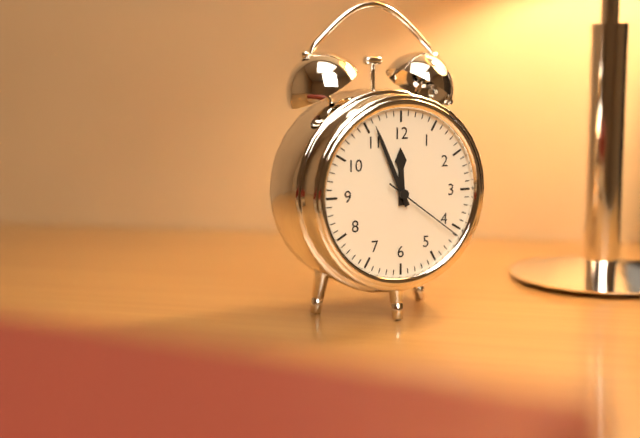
11:56:21
